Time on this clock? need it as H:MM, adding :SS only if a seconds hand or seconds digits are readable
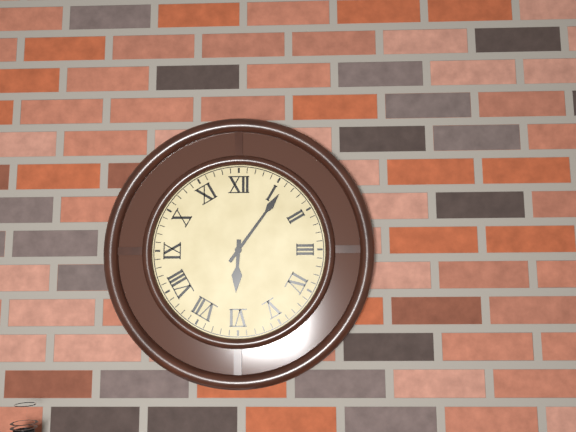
6:06
